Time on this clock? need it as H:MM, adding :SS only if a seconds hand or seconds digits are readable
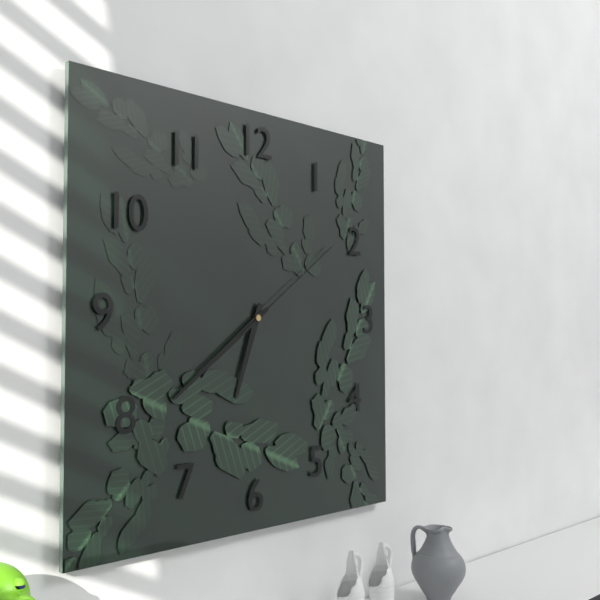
6:39:09
